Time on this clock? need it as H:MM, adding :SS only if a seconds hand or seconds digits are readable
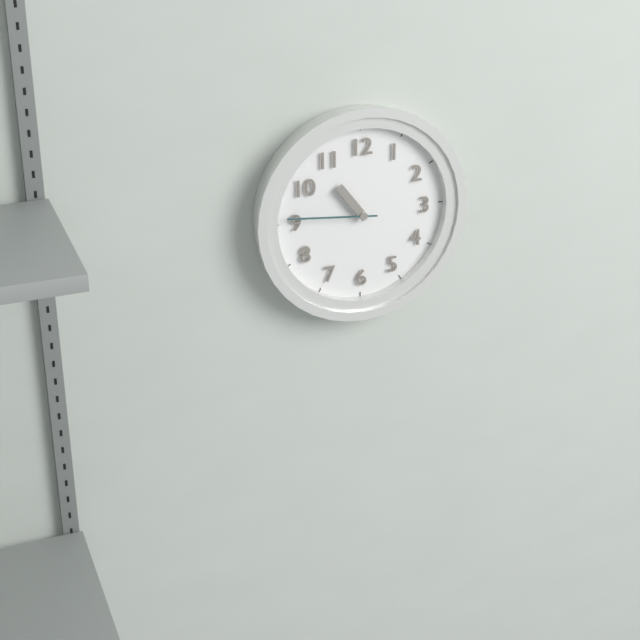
10:46
